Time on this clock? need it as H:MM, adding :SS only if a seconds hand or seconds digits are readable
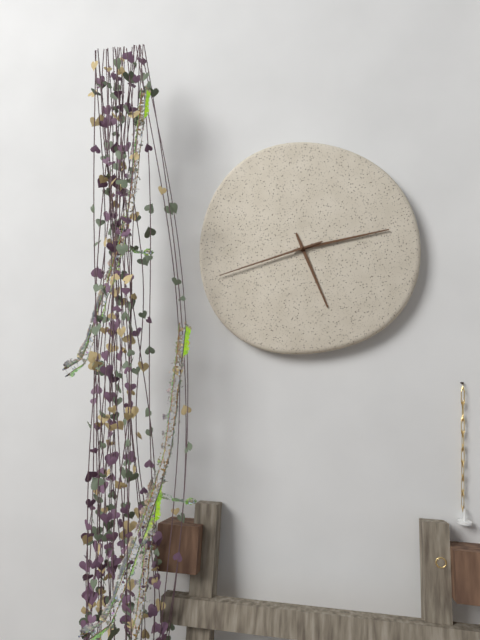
5:13:42
